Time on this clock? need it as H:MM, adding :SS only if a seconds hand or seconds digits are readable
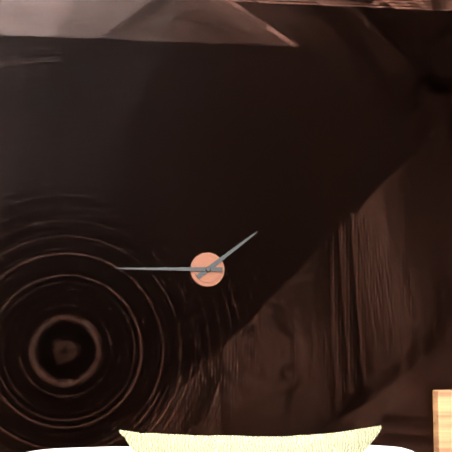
1:45
